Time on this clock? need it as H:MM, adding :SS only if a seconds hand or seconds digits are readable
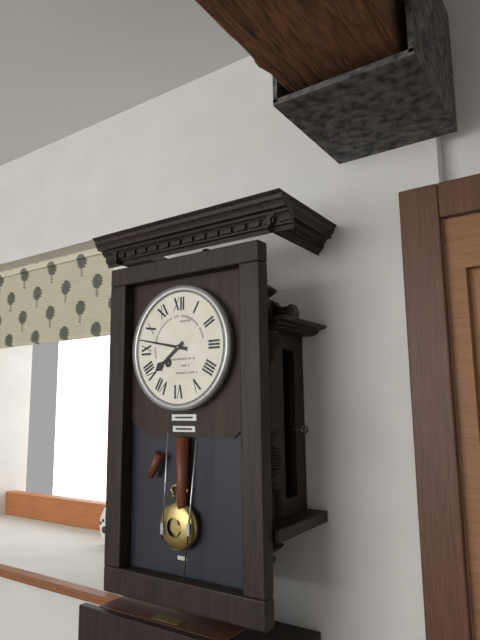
7:47
